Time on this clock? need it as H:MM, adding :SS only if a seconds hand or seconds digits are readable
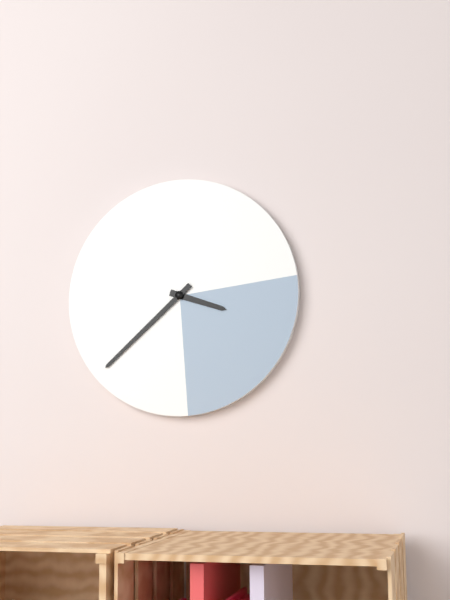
3:38
